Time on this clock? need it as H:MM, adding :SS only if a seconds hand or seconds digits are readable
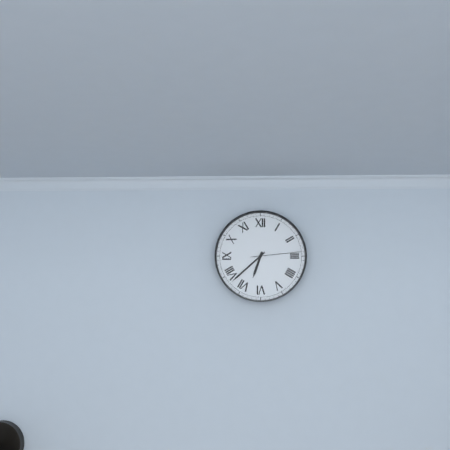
6:38:14
